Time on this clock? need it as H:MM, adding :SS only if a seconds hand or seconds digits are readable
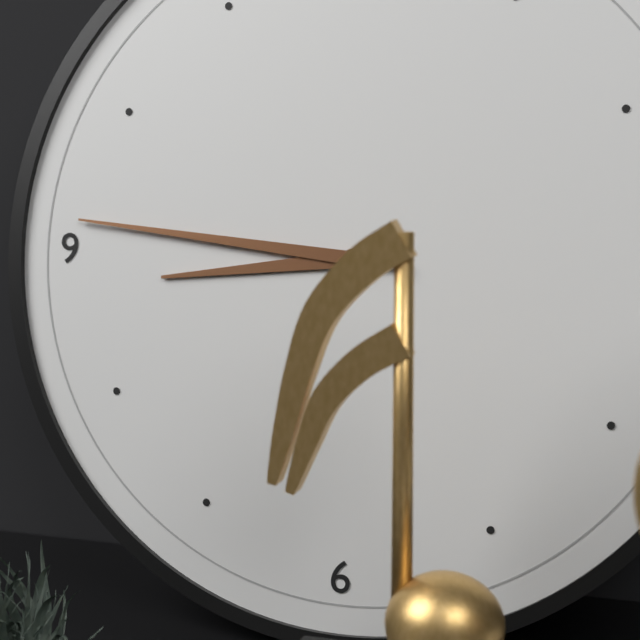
8:46
